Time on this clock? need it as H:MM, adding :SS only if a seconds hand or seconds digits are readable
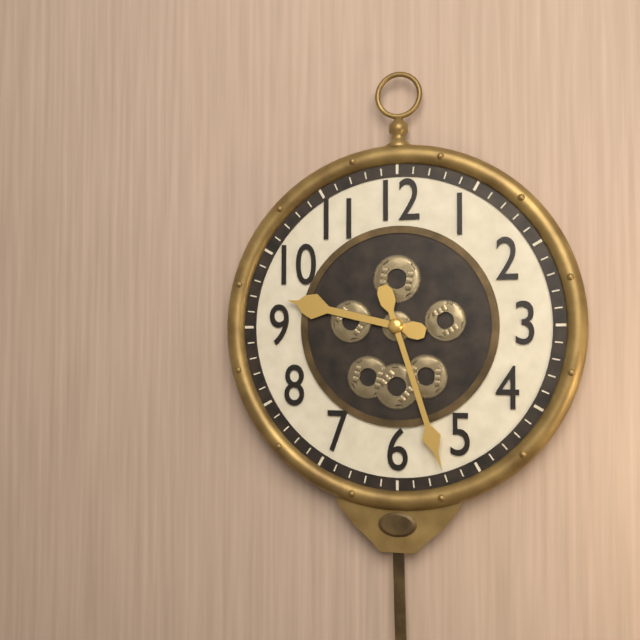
9:27
